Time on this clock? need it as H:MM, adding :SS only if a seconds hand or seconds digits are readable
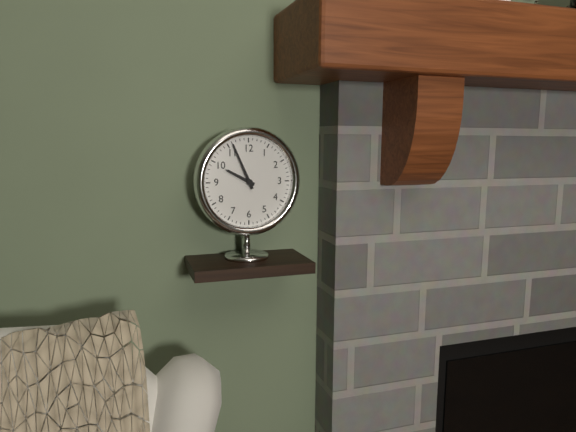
9:56
